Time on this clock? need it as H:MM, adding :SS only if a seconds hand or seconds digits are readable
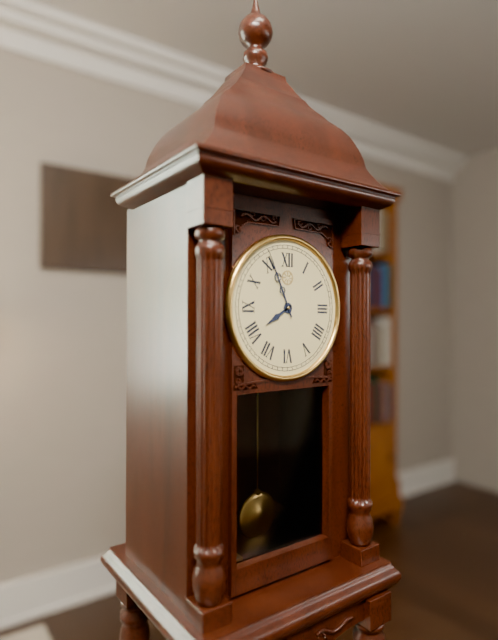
7:56
